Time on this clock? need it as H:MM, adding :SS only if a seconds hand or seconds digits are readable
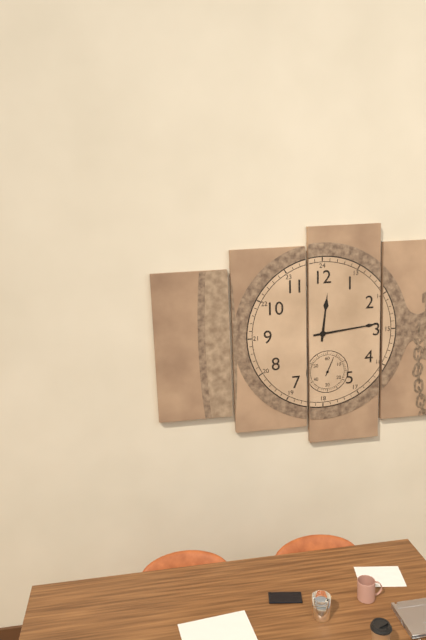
12:14
